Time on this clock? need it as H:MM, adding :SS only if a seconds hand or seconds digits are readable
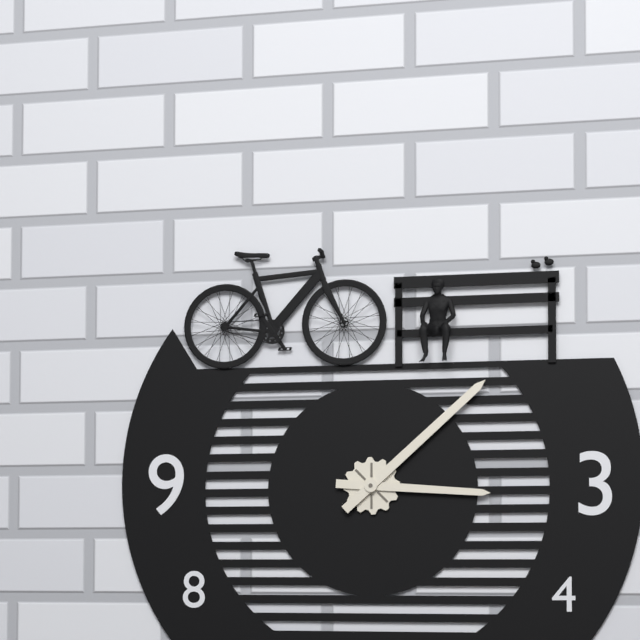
3:08
